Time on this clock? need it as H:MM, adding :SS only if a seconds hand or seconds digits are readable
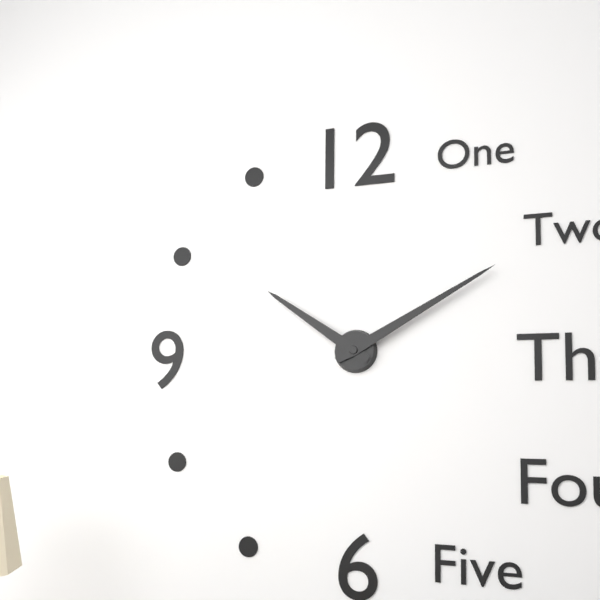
10:10
